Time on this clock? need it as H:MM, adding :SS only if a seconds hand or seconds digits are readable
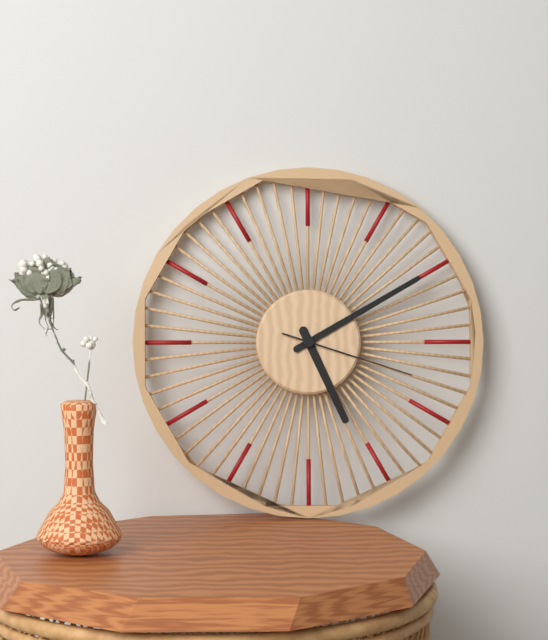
5:10:18
